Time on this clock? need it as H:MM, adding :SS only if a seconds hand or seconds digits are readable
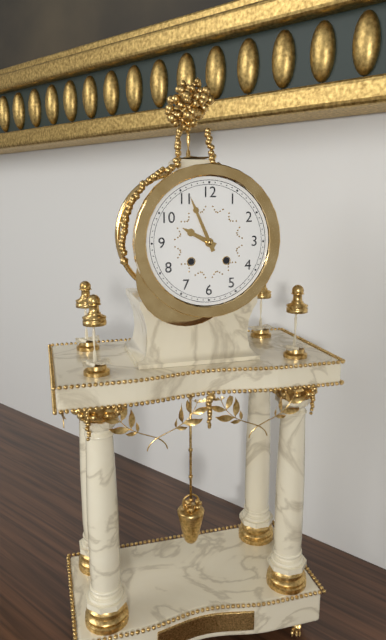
9:56
